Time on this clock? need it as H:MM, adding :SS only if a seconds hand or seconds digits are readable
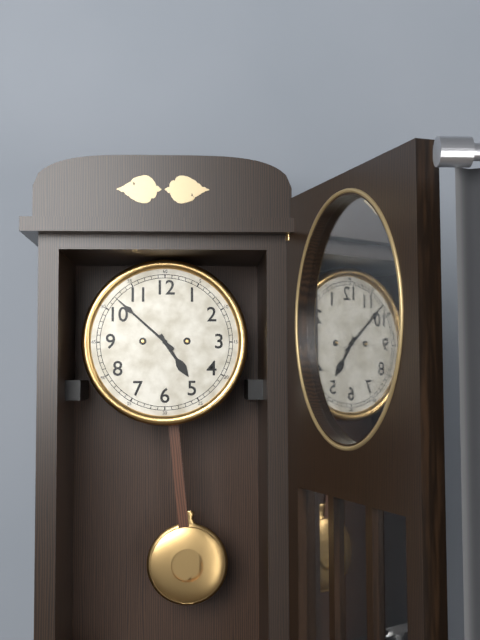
4:52
